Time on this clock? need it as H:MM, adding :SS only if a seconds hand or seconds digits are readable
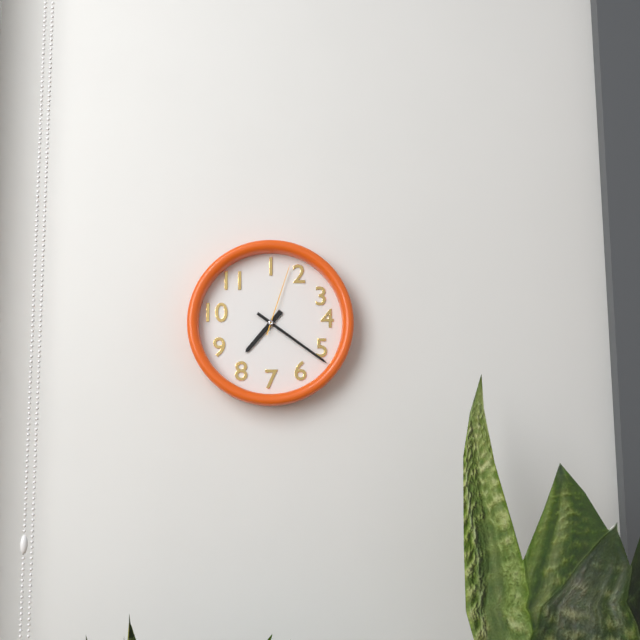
7:21:03
